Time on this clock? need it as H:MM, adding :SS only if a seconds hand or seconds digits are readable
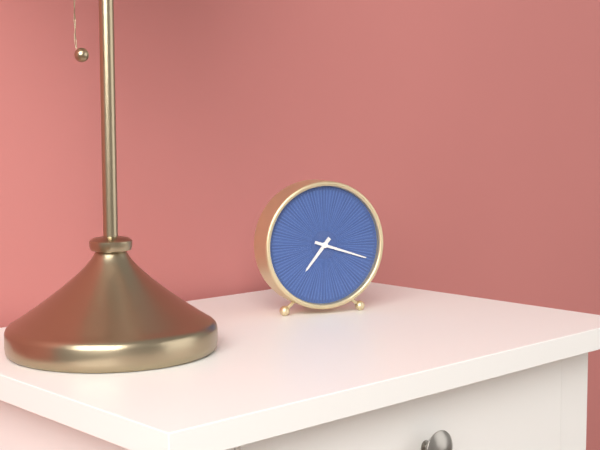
7:18
